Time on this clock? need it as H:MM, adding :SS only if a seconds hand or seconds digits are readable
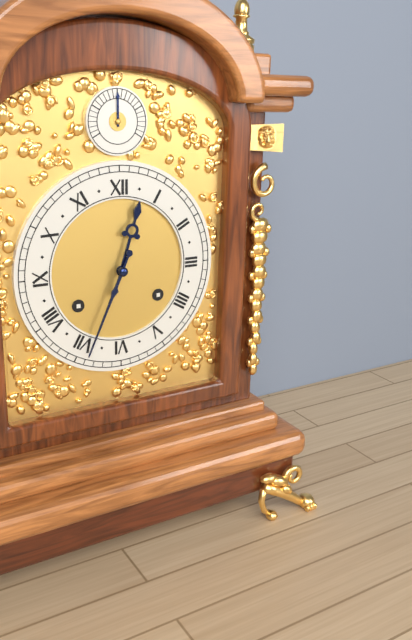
12:34
